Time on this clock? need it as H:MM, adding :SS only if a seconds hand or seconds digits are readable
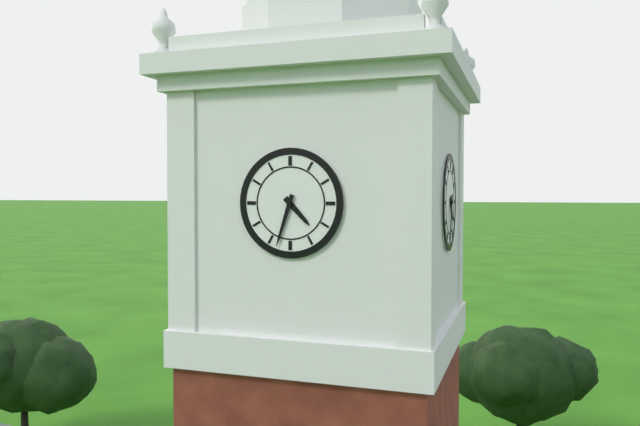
4:33
